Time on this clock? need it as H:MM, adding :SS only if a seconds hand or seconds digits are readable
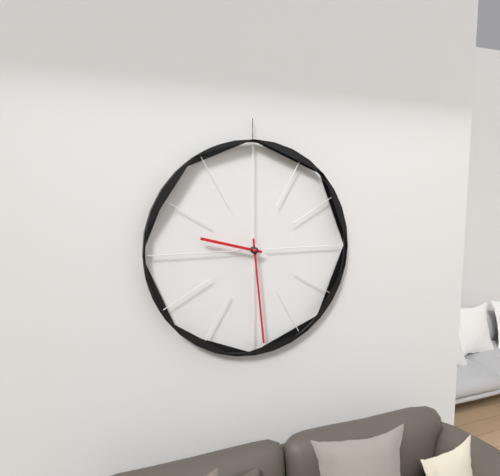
9:29
